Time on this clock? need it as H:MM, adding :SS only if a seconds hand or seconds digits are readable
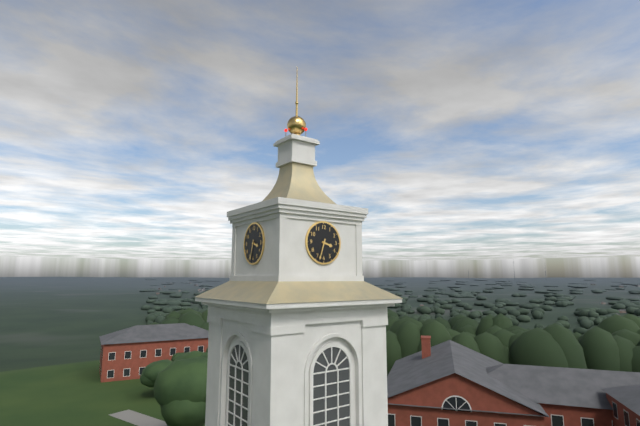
3:33
